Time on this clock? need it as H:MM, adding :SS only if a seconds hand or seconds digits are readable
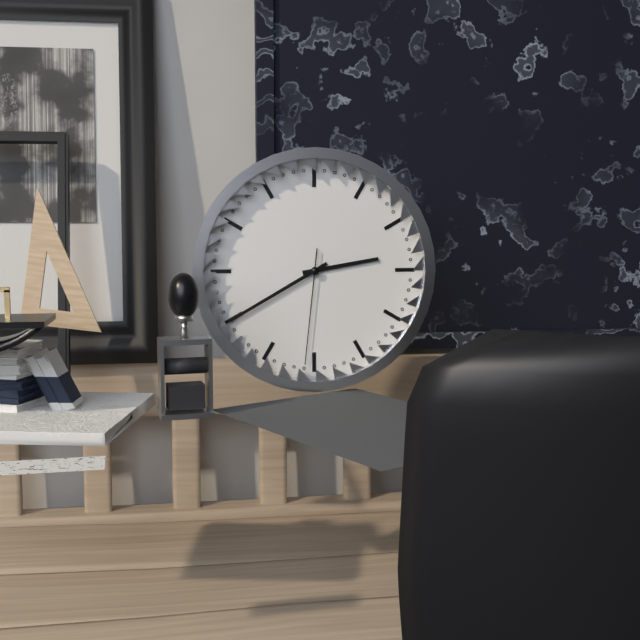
2:40:31
